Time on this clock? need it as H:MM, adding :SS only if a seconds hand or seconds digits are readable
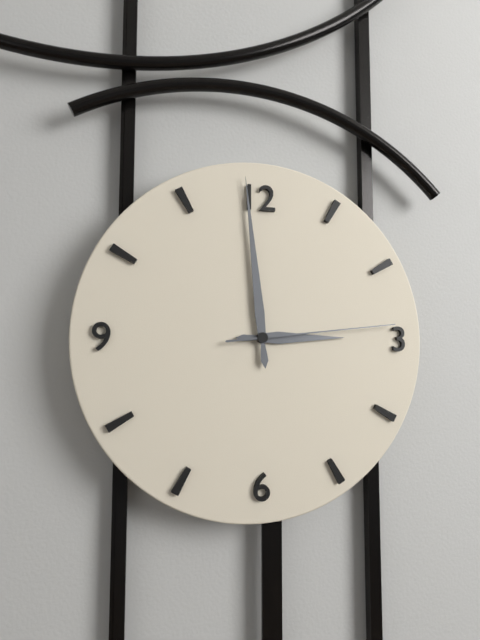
2:59:14
